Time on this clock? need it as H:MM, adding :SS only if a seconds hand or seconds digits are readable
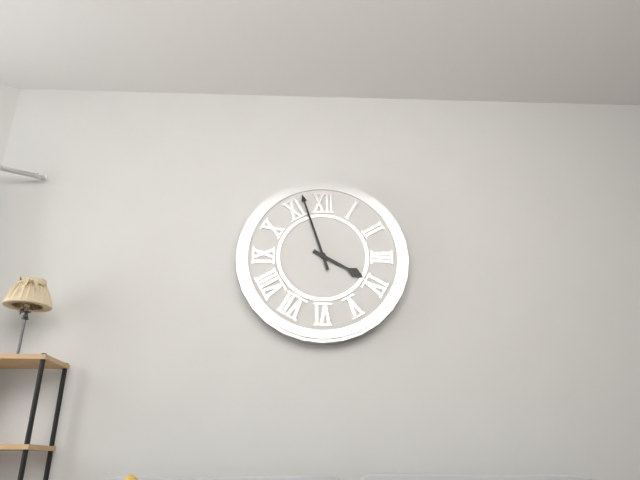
3:57
